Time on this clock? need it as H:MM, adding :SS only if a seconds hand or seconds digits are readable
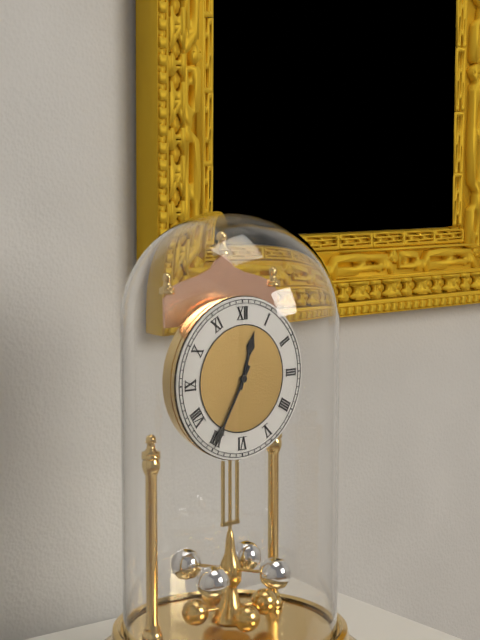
12:35
